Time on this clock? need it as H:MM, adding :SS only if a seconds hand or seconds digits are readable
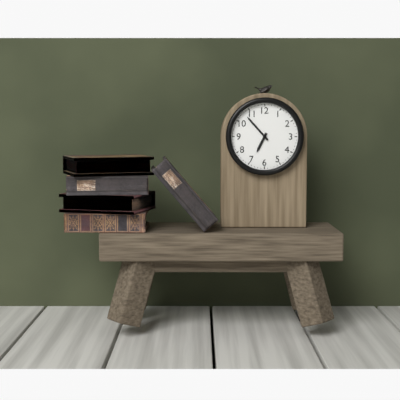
6:53
